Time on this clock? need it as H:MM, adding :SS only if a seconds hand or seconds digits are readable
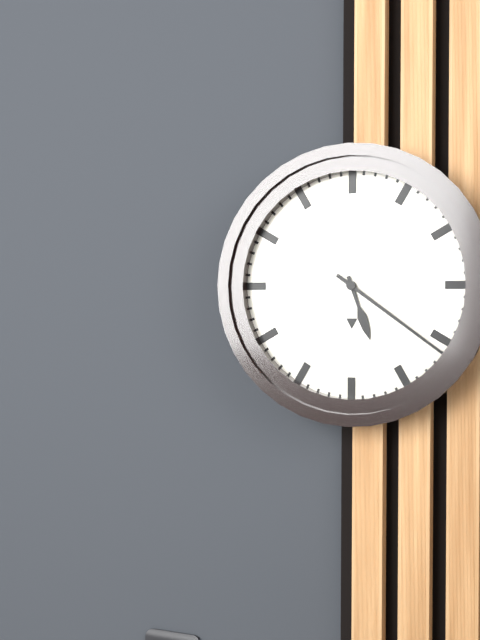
5:21
